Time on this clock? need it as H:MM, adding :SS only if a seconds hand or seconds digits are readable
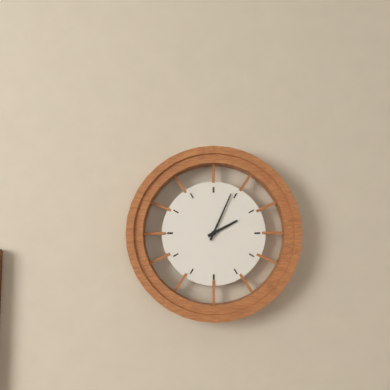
2:04
